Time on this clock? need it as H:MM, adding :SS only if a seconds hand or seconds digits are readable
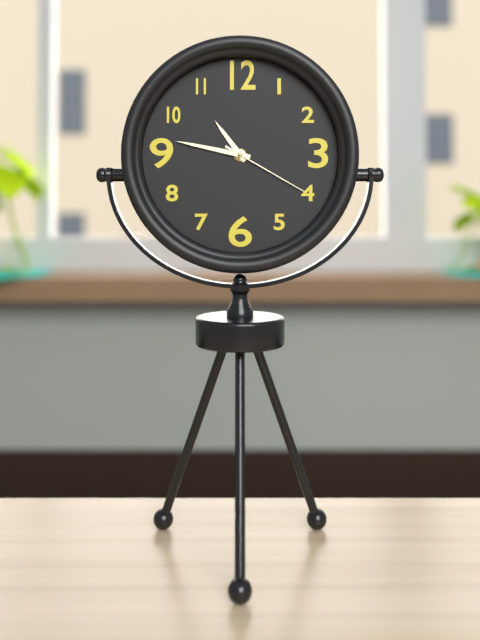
10:47:20
